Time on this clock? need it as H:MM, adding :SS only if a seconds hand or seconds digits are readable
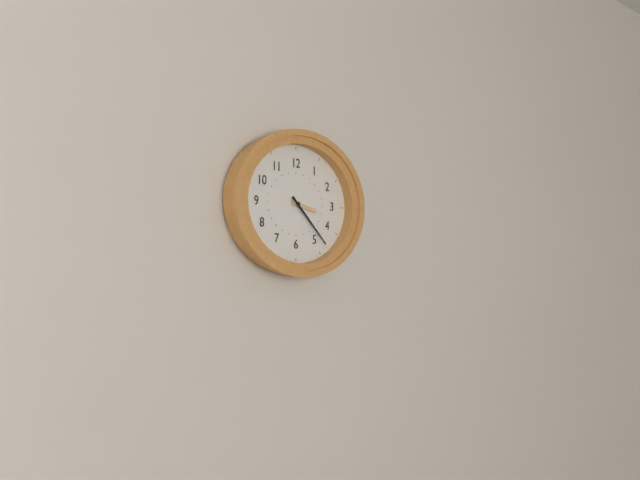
3:22
